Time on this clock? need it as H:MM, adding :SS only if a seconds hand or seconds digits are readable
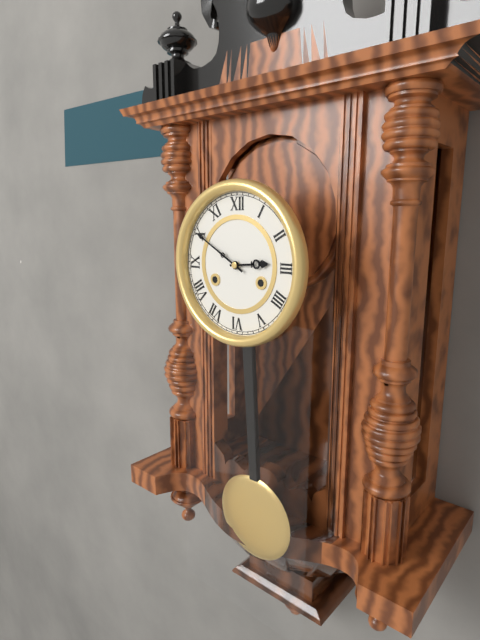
2:50
